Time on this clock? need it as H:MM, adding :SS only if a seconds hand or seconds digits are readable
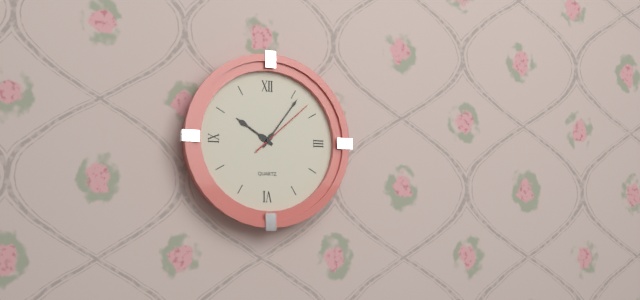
10:06:08
